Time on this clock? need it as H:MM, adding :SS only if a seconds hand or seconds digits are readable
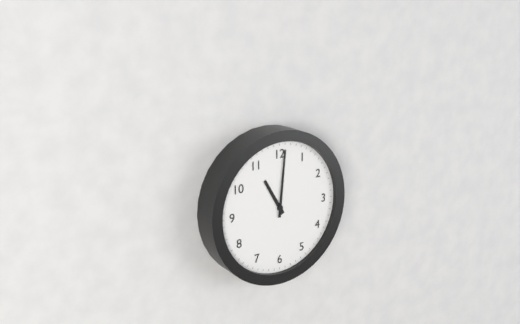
11:01
